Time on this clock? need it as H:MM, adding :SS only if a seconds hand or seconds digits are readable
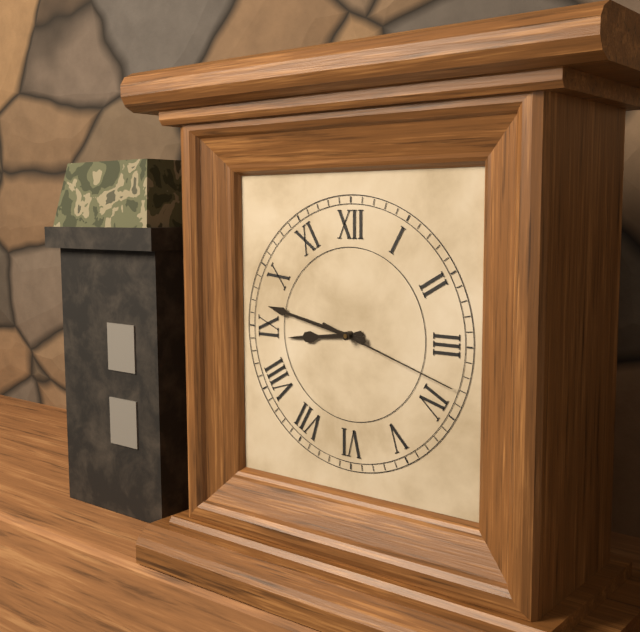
8:47:18
